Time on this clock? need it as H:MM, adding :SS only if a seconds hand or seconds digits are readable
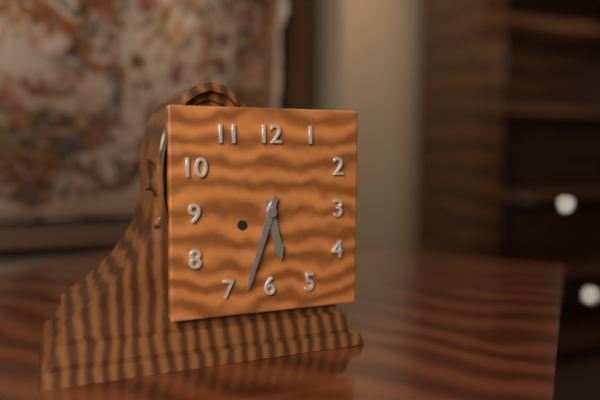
5:33
